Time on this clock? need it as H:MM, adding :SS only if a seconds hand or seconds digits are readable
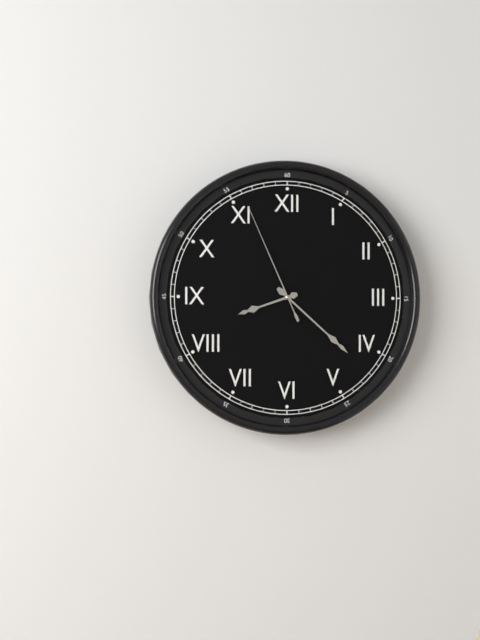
8:22:56
